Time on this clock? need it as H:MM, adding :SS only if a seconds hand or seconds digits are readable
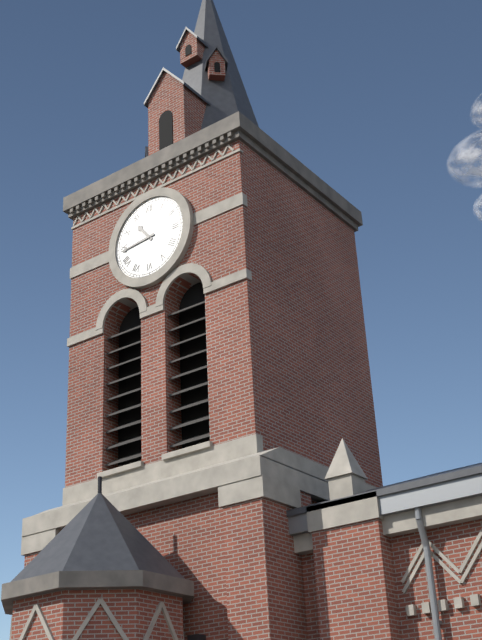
10:44
